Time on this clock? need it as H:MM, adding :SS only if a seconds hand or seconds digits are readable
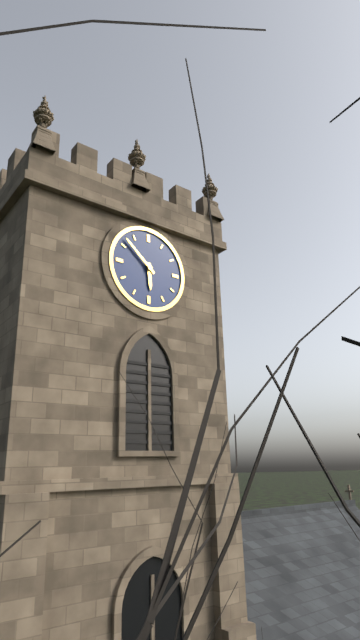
5:52
